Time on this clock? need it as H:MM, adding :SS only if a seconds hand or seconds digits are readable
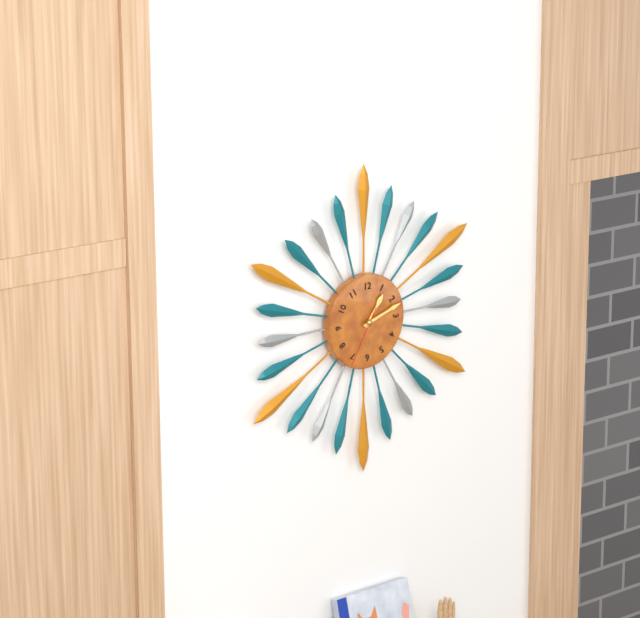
1:12:35
